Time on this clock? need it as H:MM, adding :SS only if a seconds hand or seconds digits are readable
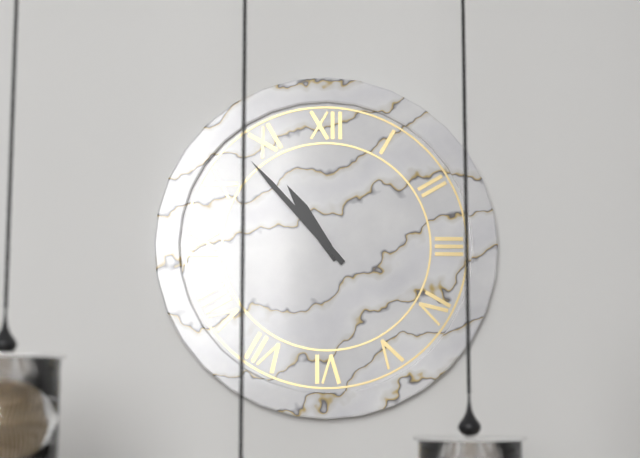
10:53
